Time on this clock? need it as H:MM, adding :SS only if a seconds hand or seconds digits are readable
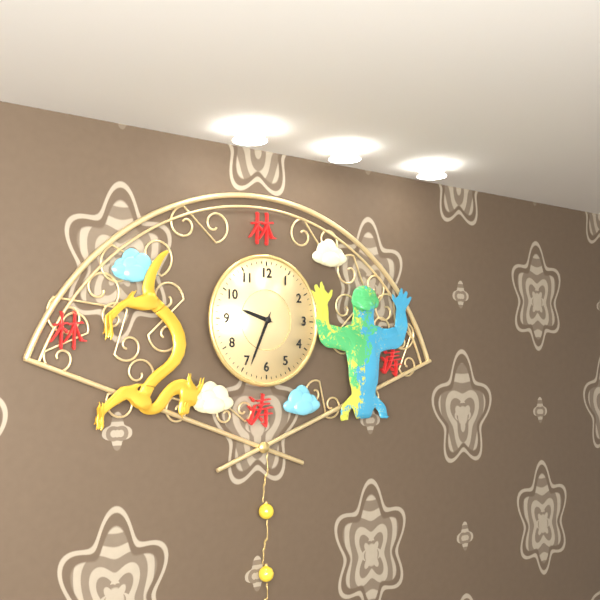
9:34
